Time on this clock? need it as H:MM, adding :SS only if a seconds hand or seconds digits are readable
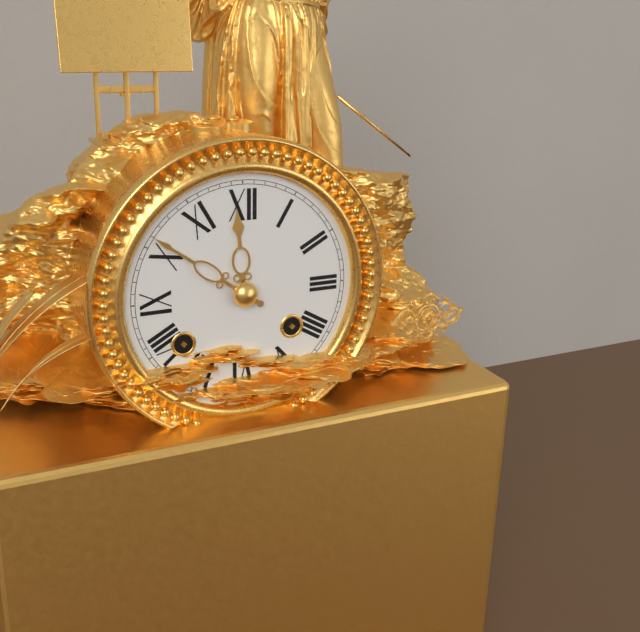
11:51
